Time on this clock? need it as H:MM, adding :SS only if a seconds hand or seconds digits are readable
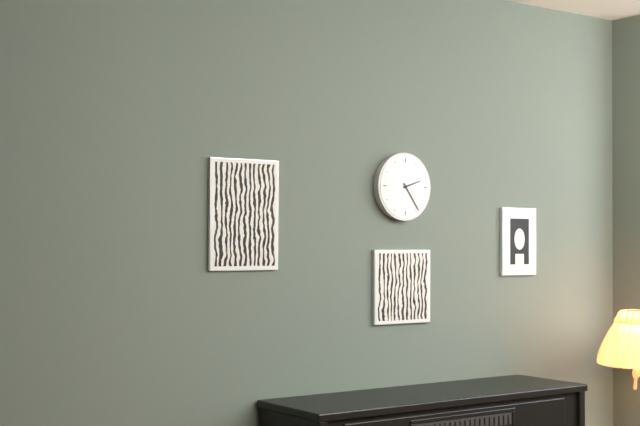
2:24
